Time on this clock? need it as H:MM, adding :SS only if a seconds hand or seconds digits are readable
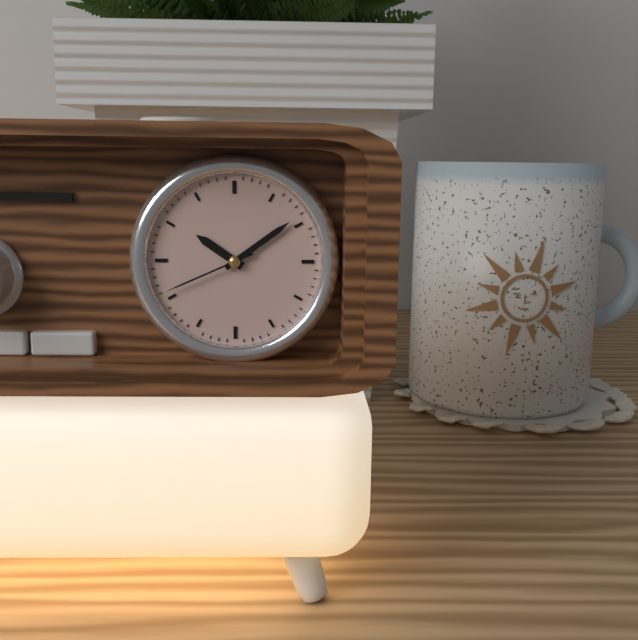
10:09:41
